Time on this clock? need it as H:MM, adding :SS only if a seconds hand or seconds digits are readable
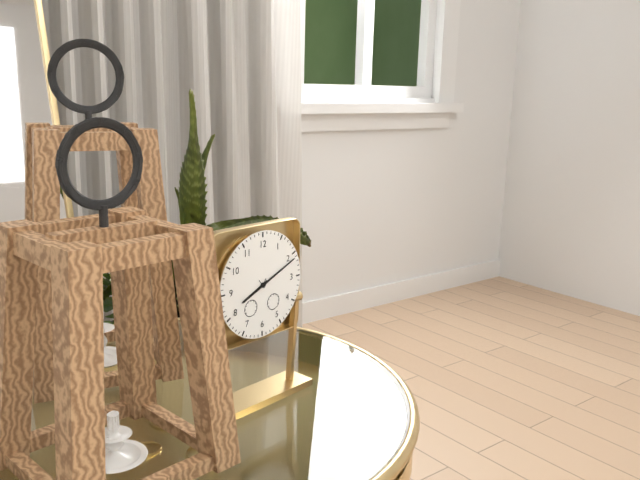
8:11
